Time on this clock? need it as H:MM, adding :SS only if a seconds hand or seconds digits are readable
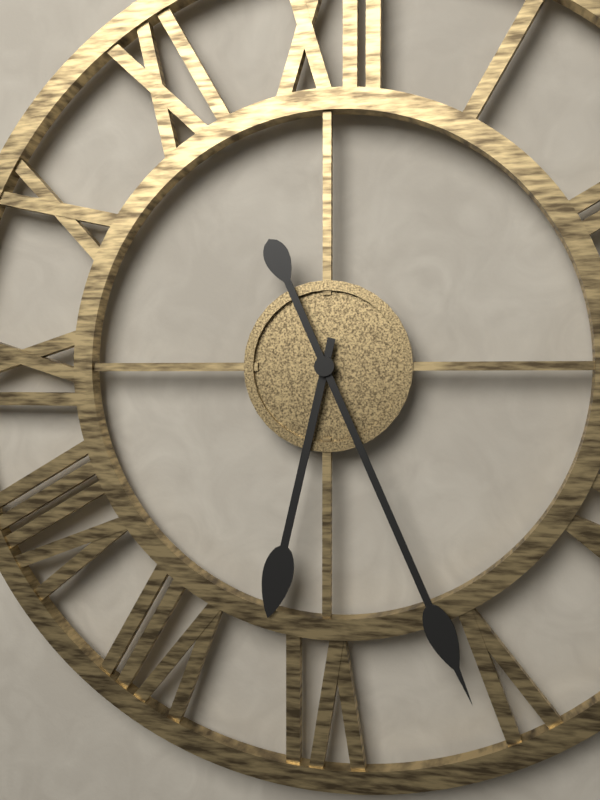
6:26
